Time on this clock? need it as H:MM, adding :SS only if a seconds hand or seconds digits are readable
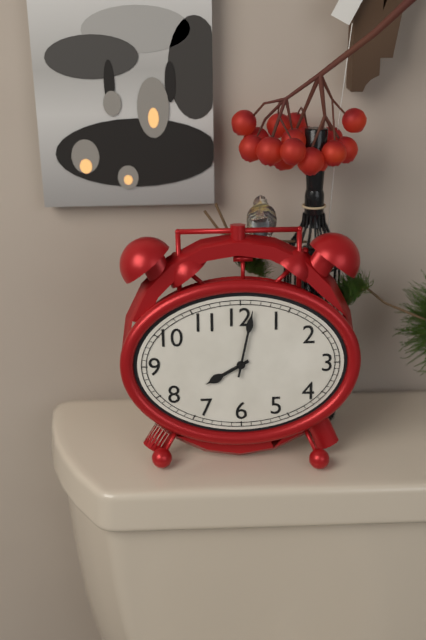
8:02
